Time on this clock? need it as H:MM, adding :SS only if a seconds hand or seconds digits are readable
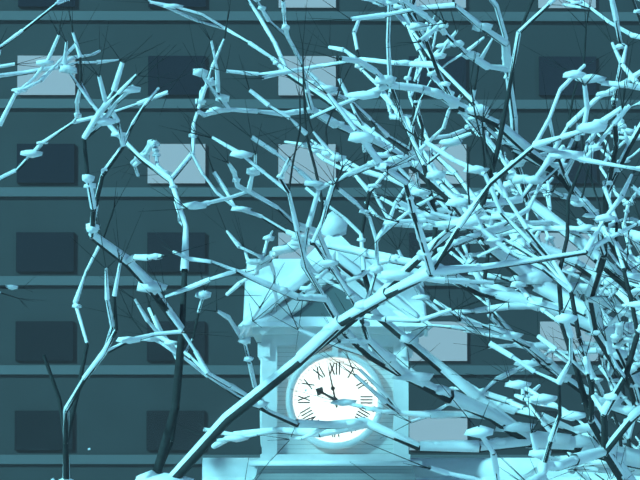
9:58
